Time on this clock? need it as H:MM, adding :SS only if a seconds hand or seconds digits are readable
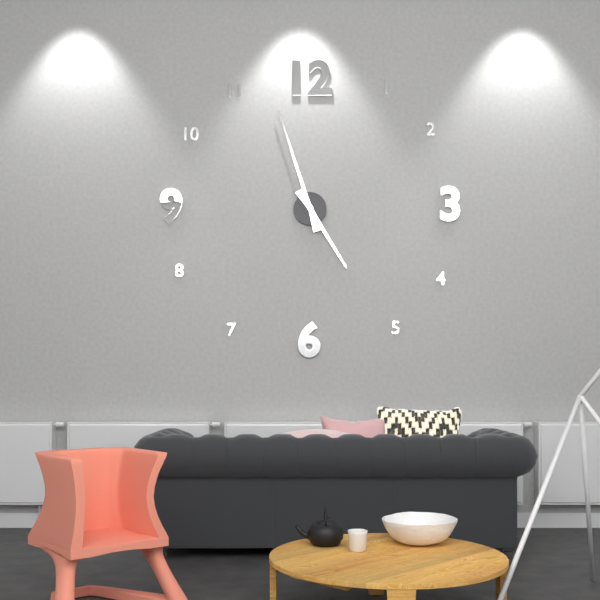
4:57
